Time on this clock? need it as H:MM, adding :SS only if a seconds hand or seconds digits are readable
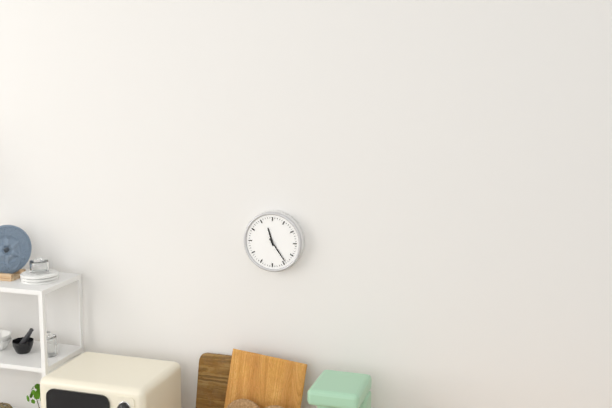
11:24
